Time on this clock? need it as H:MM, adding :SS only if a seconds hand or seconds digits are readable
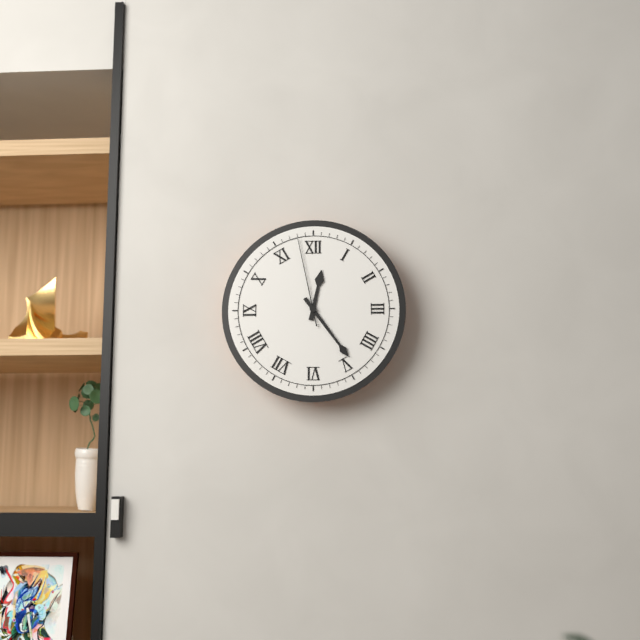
12:24:58
